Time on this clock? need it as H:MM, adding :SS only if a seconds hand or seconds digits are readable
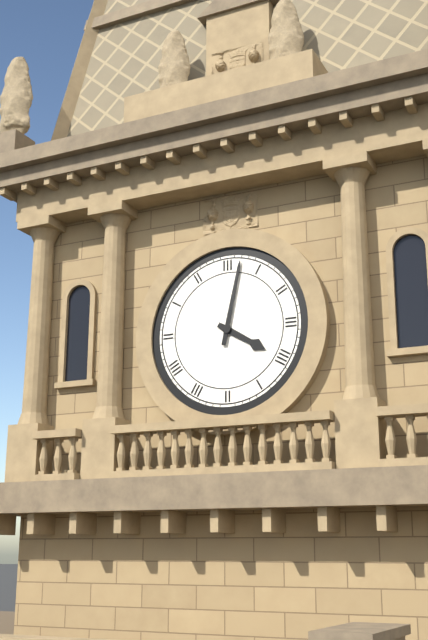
4:02
